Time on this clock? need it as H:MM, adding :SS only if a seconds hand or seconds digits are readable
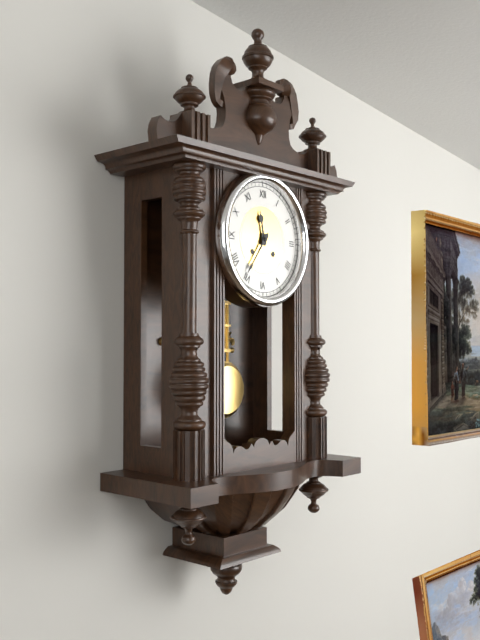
11:36
